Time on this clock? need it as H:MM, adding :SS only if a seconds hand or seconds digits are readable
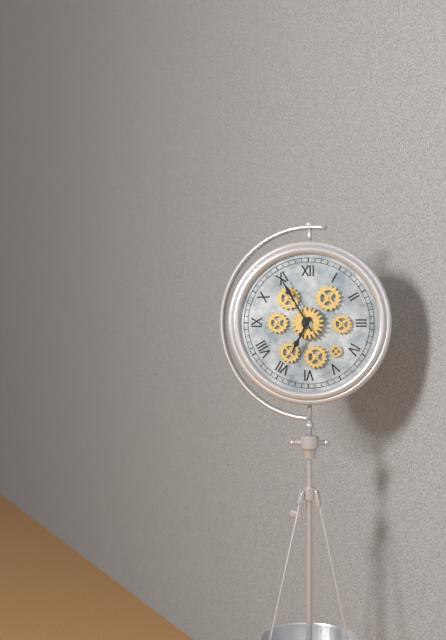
6:55
